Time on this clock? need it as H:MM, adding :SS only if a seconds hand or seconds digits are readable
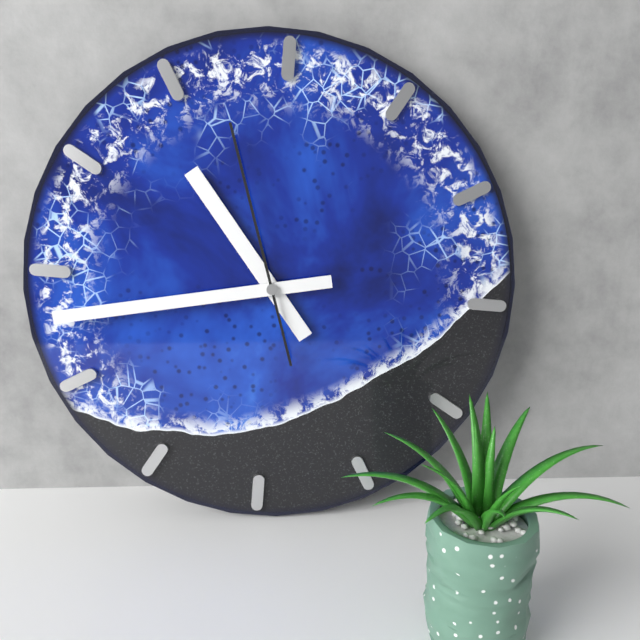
10:43:57
